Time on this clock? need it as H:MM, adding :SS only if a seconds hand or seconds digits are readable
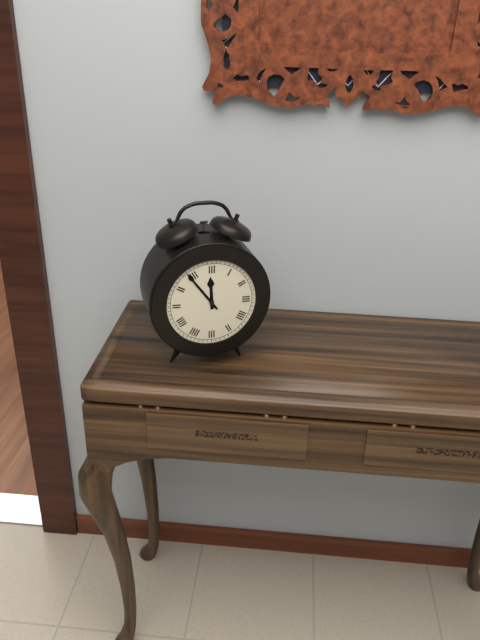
11:54
